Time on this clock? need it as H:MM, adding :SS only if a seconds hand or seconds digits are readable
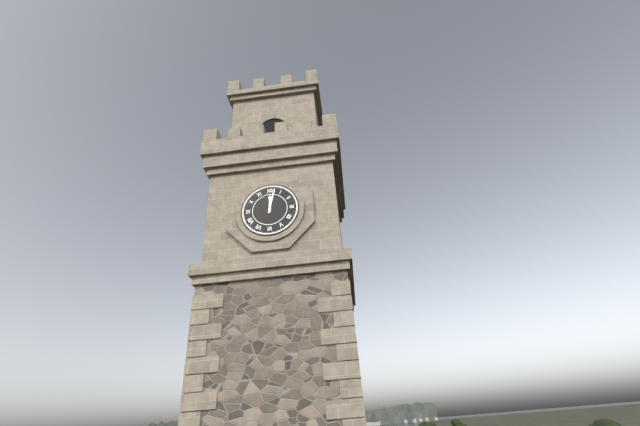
12:02
